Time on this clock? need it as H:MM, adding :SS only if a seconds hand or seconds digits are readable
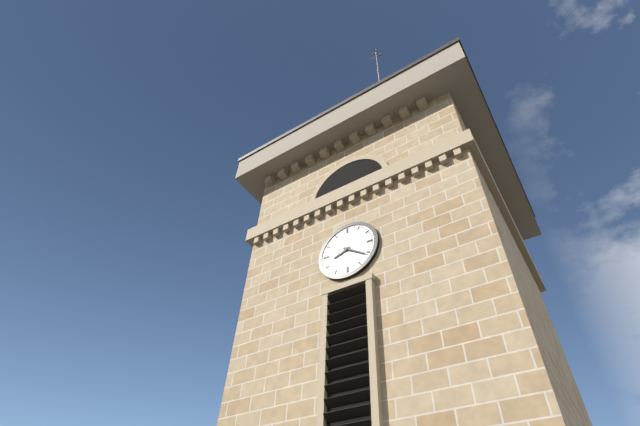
8:21
